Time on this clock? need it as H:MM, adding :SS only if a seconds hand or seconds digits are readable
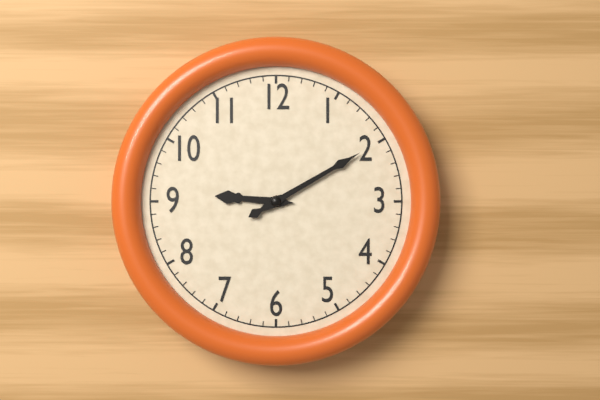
9:10
